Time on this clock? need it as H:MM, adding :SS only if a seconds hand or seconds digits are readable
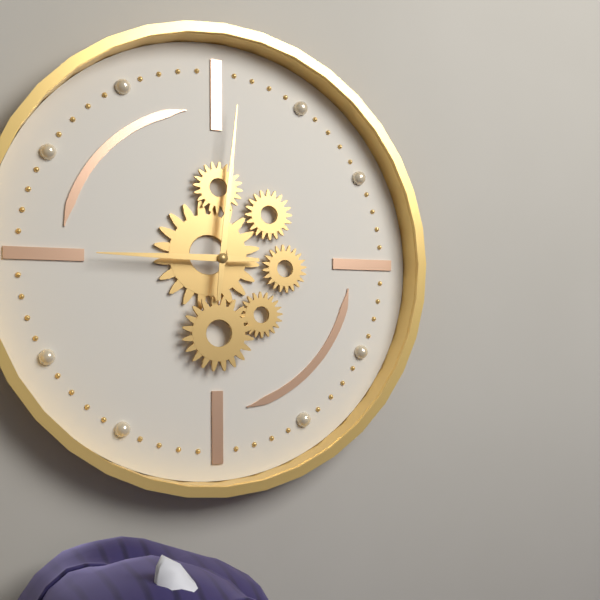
9:01
